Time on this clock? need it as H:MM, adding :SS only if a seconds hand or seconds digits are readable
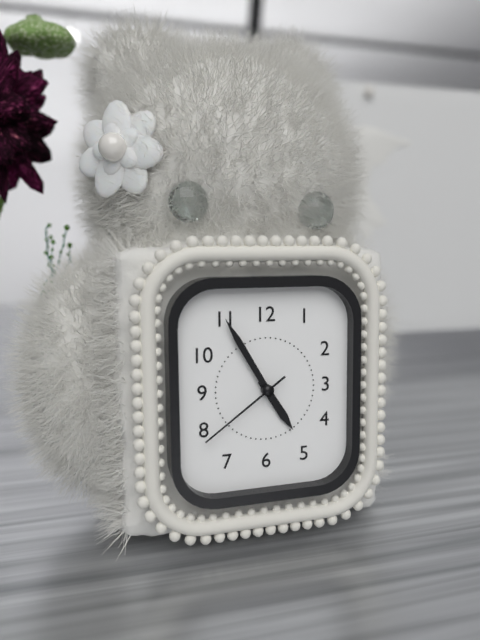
4:55:39
